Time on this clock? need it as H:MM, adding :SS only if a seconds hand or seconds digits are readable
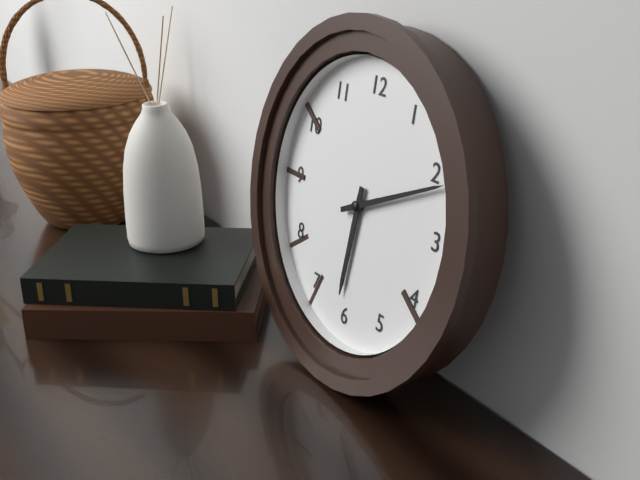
6:11
